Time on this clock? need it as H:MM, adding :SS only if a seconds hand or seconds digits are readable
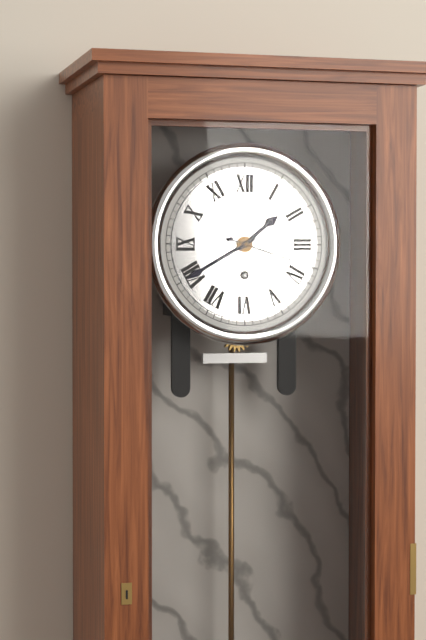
1:40:18
